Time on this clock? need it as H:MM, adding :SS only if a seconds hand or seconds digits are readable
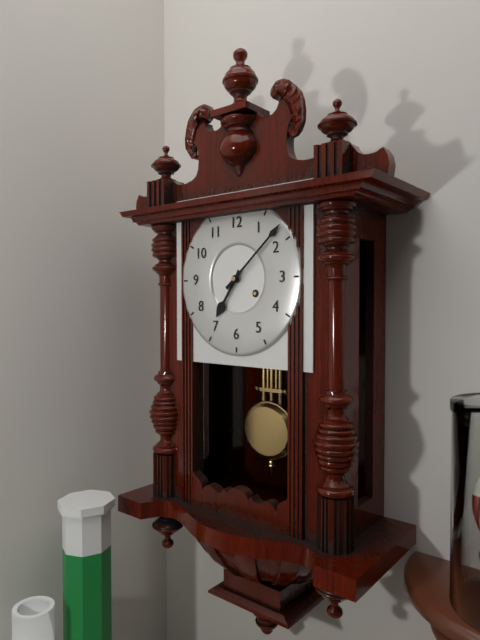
7:08
